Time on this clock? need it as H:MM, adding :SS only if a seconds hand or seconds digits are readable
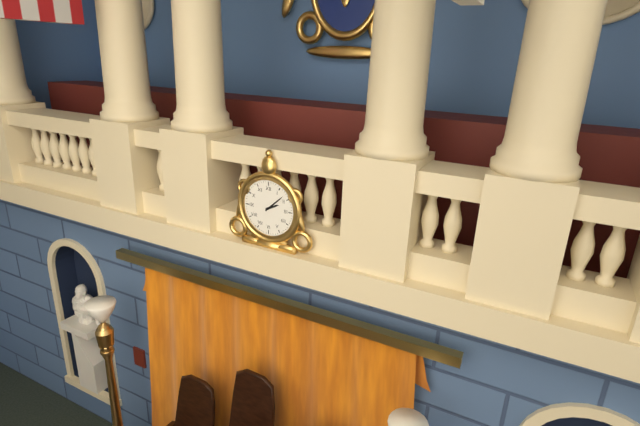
2:08
